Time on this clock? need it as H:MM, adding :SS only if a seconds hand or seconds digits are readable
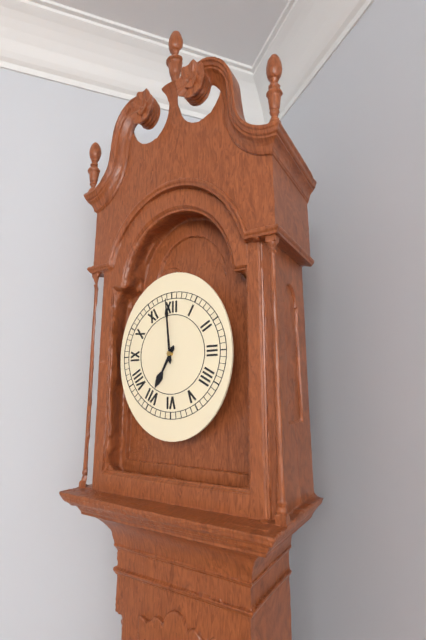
6:59
